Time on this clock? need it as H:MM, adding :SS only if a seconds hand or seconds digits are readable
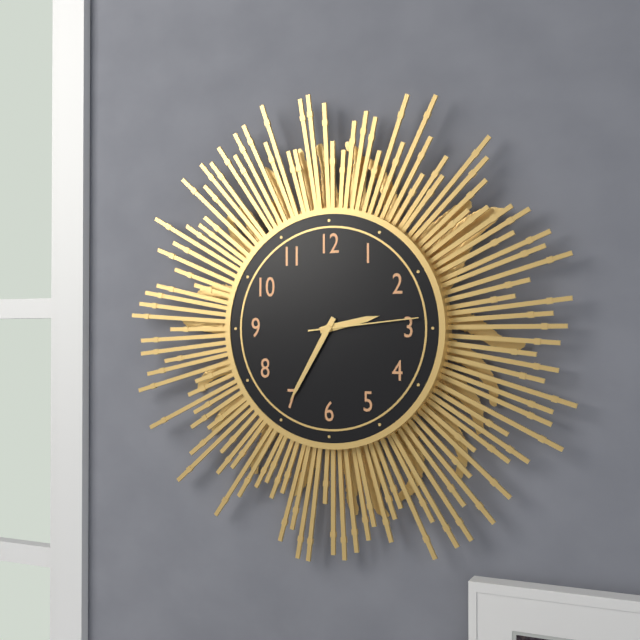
2:35:14
